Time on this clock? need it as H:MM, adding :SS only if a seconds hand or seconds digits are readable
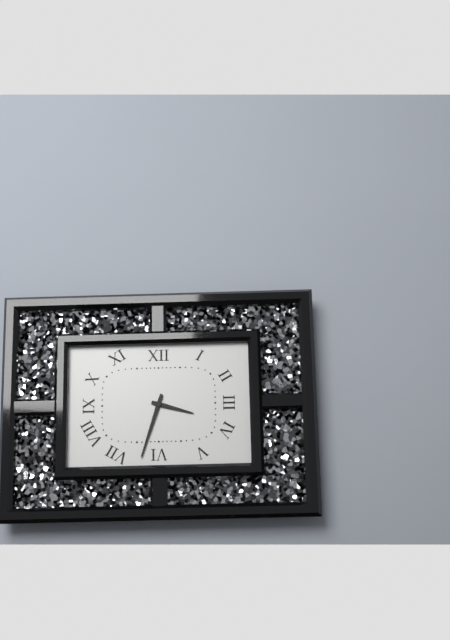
3:33
